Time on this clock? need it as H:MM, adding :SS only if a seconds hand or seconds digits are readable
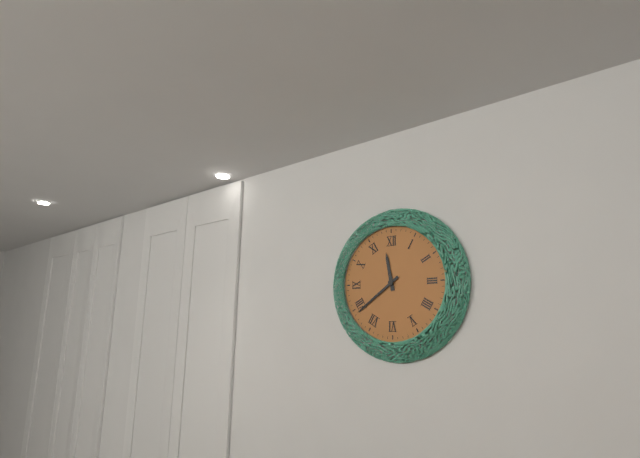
11:39
